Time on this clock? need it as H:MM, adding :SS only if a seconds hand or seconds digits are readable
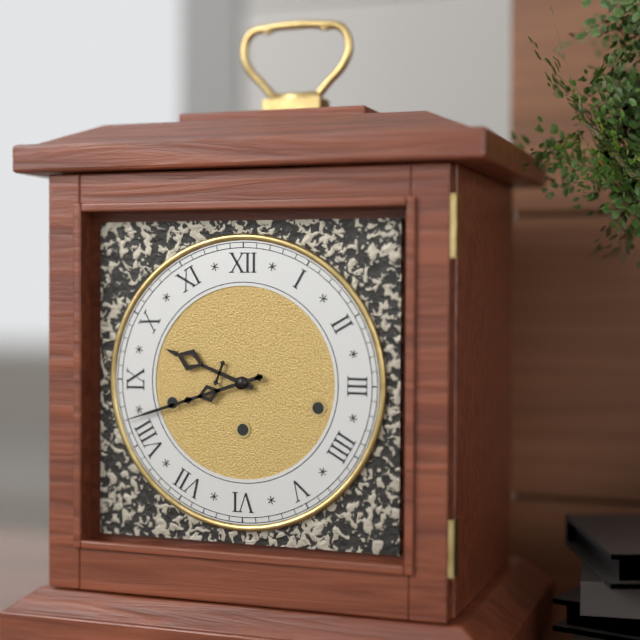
9:42
